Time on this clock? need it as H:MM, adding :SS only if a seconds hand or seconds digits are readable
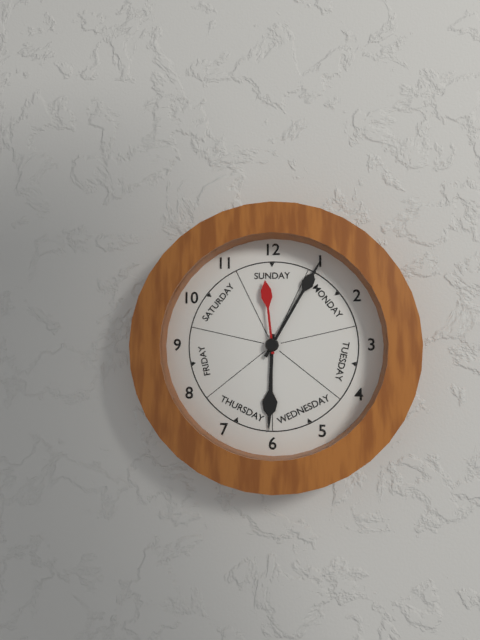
6:05:59
